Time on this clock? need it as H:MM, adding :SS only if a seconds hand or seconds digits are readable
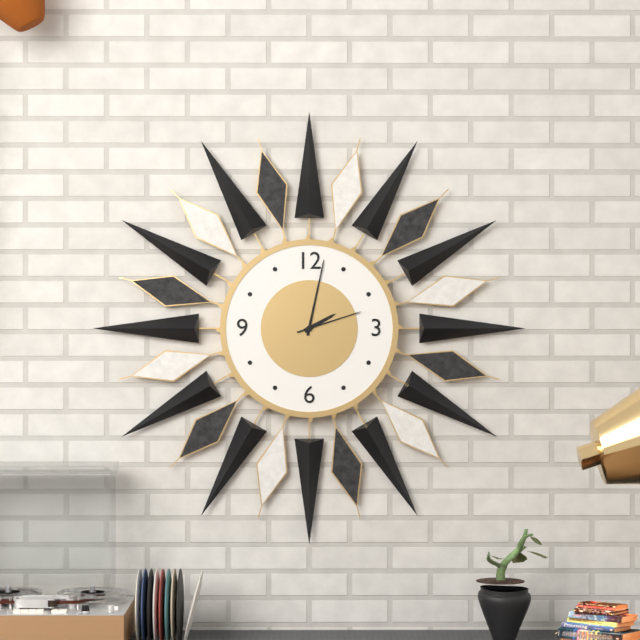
2:02:12
